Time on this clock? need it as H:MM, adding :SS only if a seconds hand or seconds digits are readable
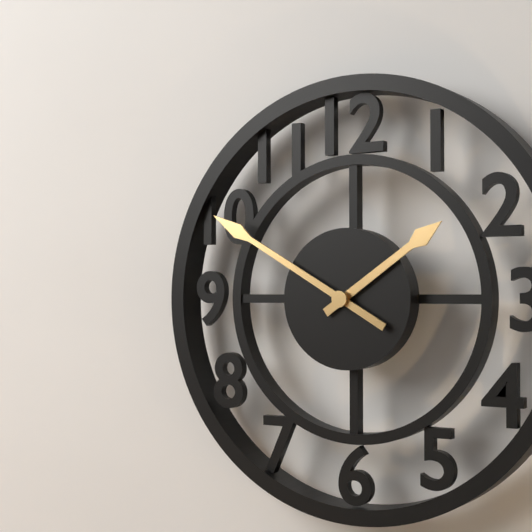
1:50
